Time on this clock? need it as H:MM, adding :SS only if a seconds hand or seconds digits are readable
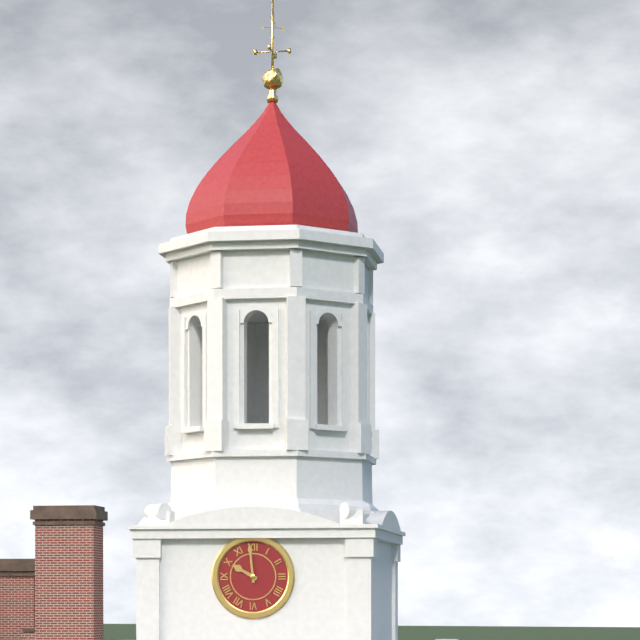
9:59
